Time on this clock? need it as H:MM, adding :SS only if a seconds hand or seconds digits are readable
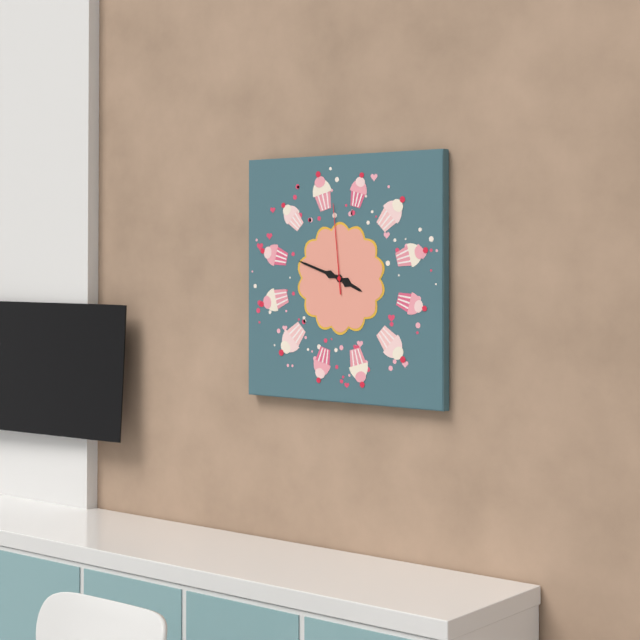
3:48:59
